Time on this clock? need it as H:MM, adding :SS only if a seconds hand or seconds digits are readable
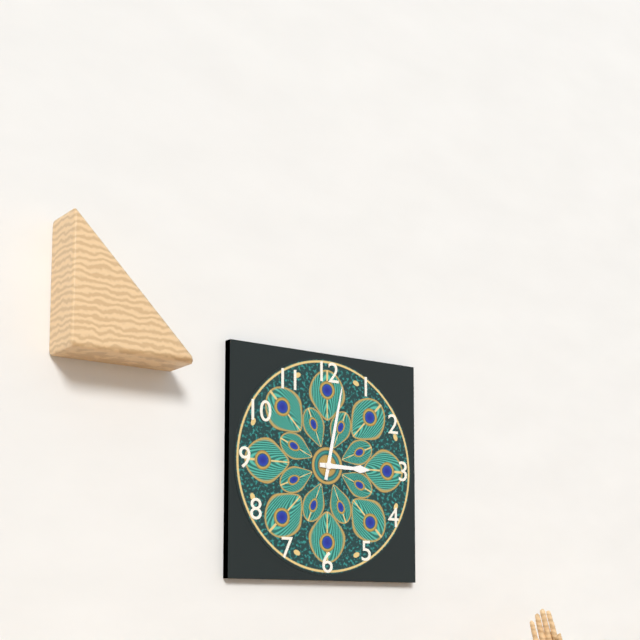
3:02
